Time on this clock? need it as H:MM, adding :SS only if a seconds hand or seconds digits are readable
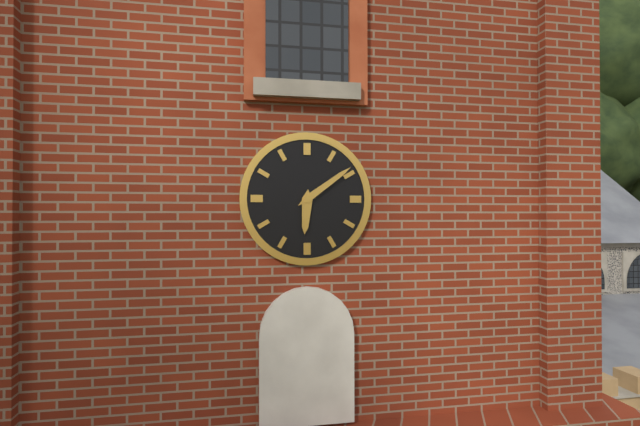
6:09
